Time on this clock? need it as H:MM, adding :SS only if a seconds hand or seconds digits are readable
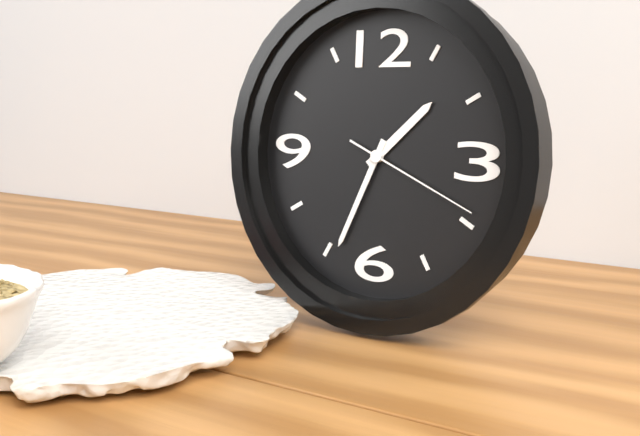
1:34:19
